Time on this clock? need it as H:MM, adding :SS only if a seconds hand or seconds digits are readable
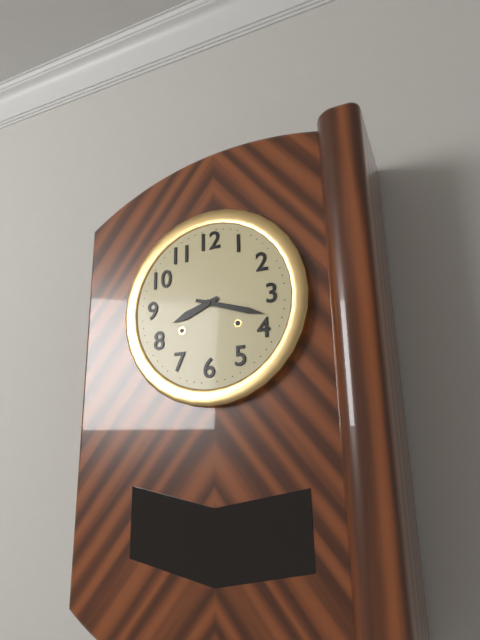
8:18
